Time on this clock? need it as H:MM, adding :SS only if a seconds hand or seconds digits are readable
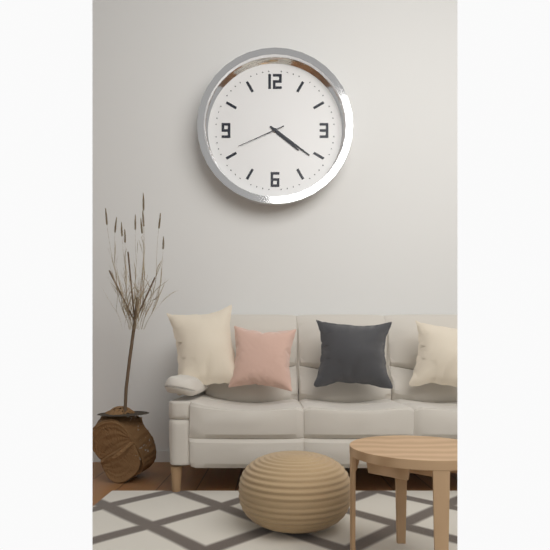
4:21
